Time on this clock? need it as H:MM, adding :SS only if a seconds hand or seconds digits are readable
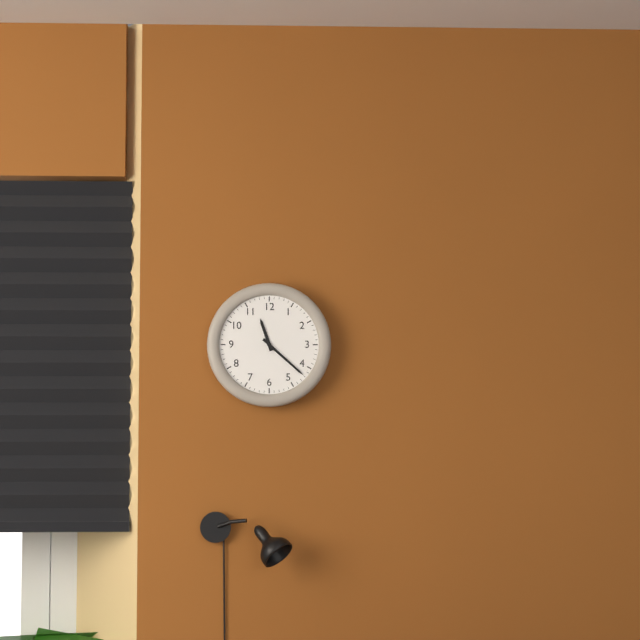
11:22
